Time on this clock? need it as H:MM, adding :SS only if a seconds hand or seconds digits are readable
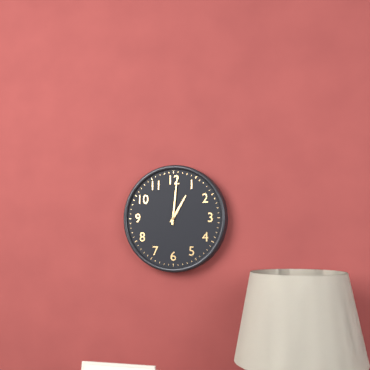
1:01
